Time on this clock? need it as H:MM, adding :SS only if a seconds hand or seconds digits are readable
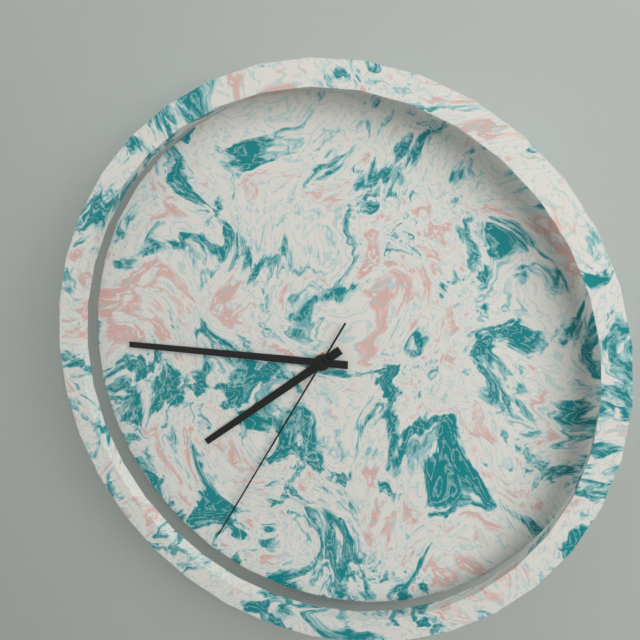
7:45:35
